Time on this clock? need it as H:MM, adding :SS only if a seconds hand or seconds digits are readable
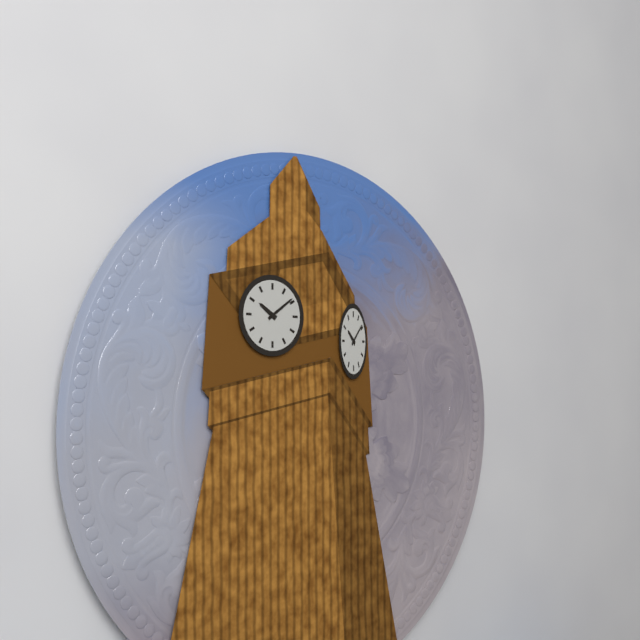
10:09
